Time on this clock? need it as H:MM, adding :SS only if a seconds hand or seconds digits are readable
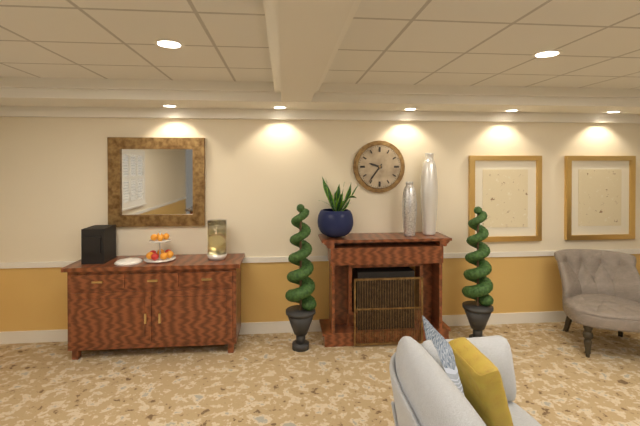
9:36
